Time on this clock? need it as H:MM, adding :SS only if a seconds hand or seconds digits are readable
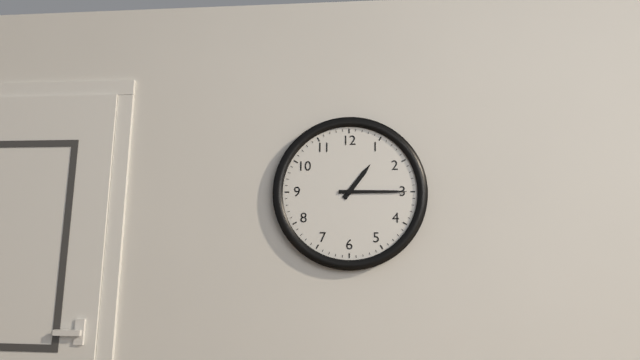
1:15
